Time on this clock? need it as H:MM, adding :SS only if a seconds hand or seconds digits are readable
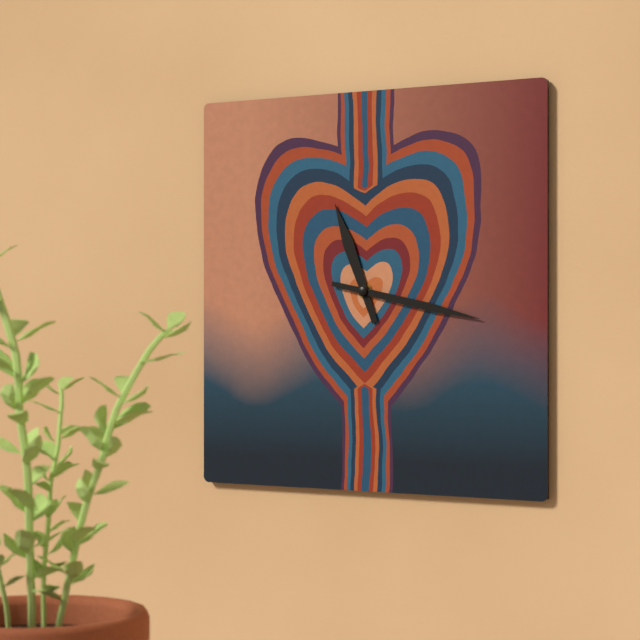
11:17
